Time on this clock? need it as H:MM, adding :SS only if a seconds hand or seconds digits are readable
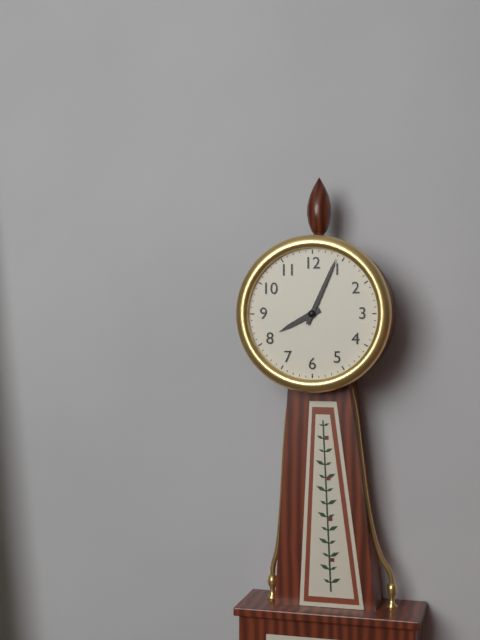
8:04
